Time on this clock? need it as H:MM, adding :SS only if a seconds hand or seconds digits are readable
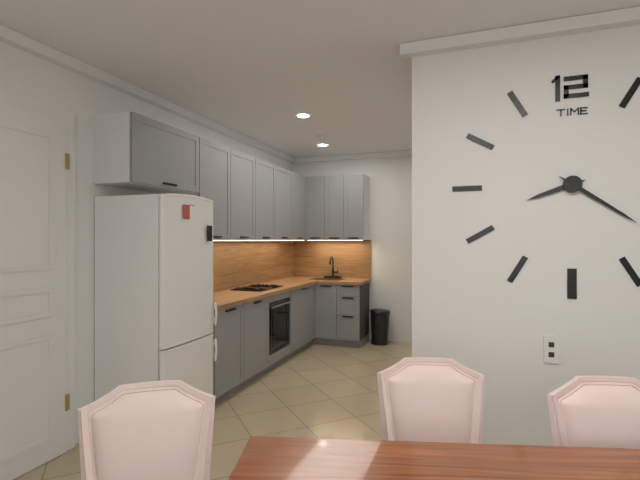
8:21
